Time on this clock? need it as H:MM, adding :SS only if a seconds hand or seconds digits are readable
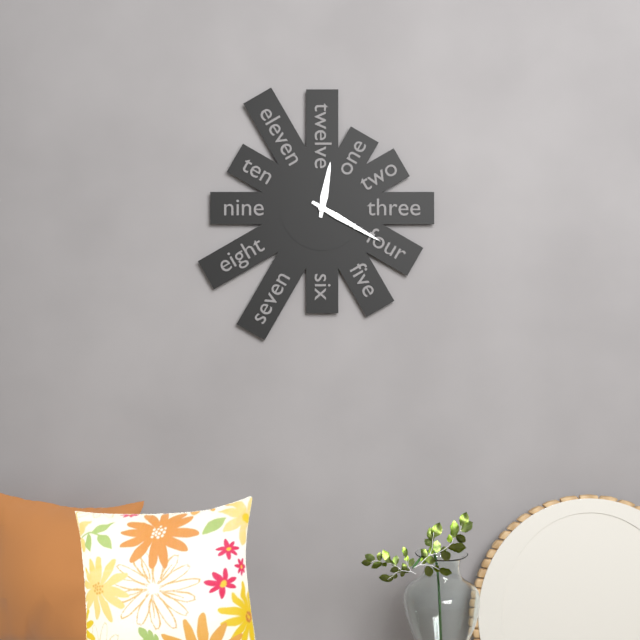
12:20
